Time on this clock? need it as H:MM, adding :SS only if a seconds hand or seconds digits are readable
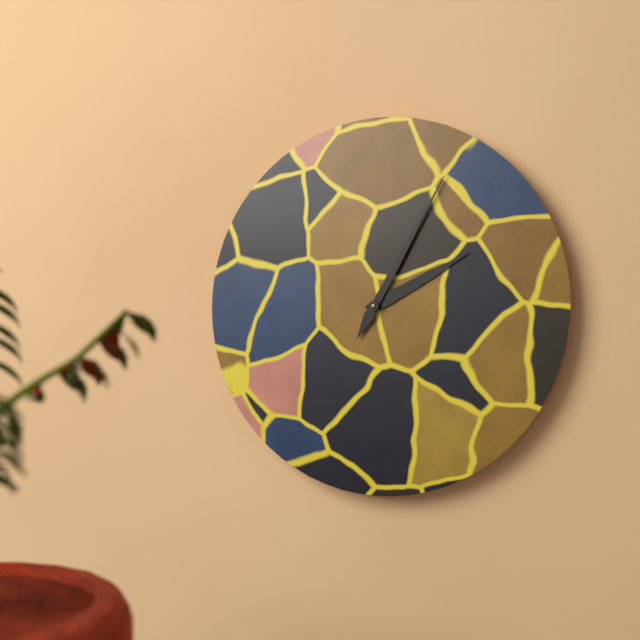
2:05
